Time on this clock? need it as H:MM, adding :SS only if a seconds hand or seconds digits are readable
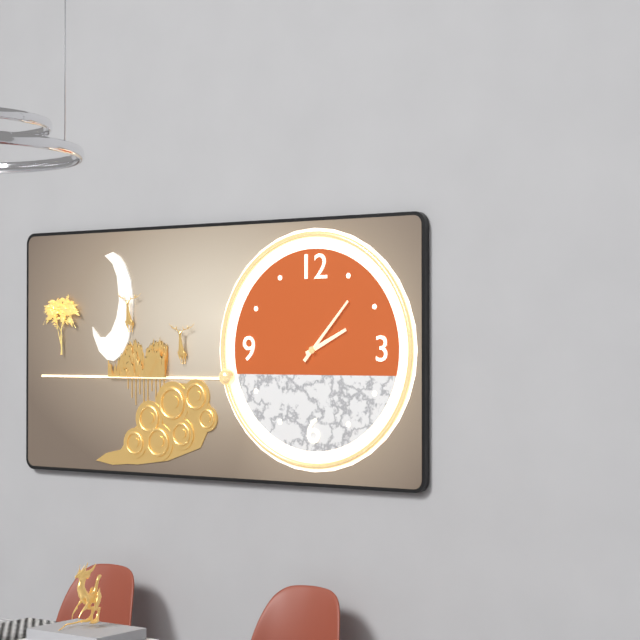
2:07
